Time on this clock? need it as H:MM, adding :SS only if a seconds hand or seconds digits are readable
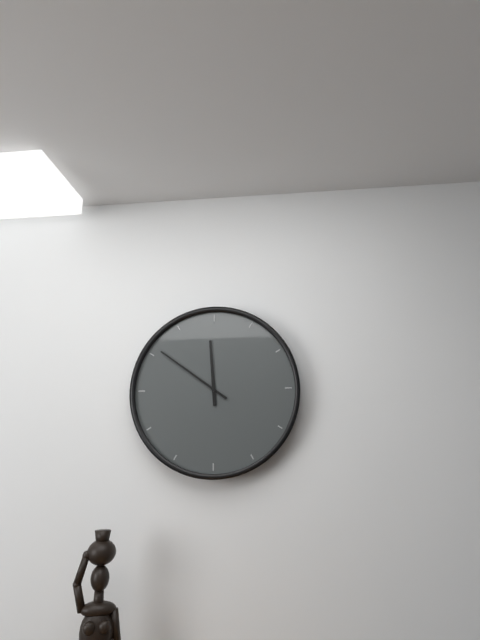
11:51
